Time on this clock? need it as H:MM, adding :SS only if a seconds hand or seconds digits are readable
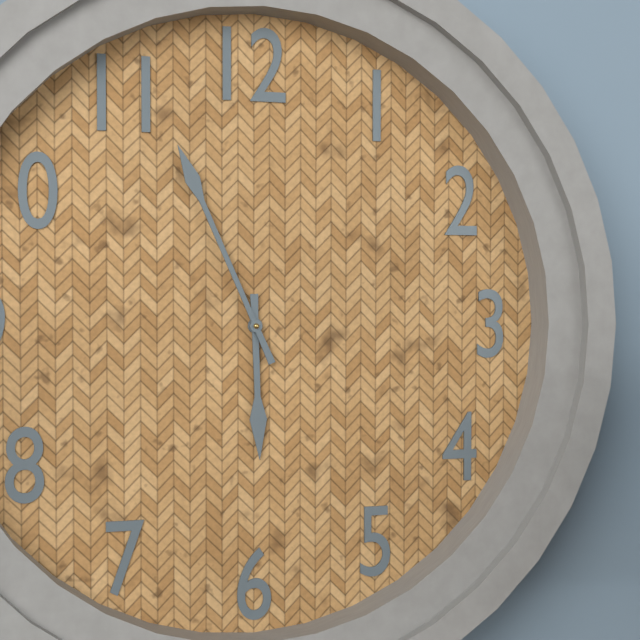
5:56
